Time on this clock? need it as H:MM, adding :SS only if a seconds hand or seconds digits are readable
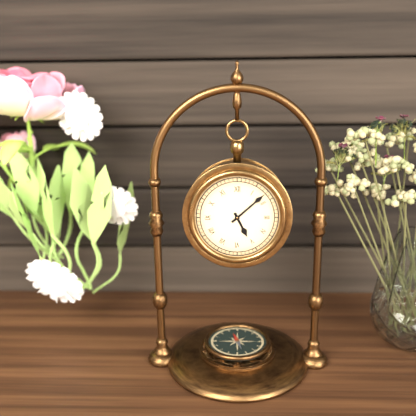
5:08
